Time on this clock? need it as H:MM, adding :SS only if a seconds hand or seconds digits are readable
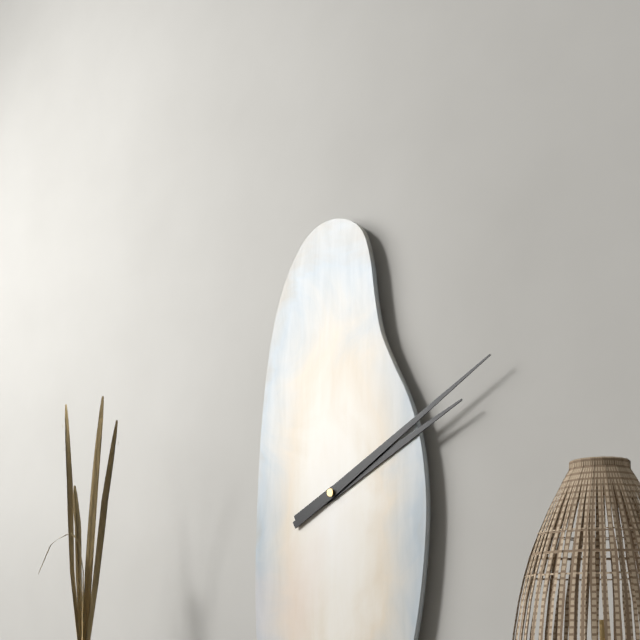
2:10
